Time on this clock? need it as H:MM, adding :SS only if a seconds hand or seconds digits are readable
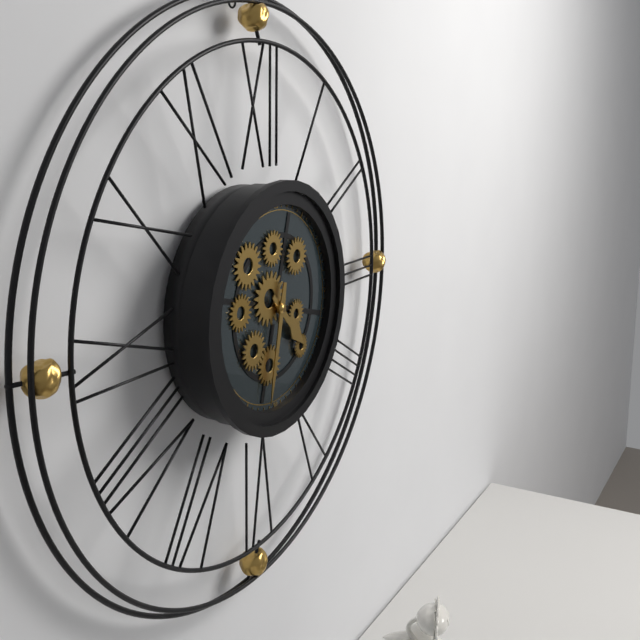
4:32
